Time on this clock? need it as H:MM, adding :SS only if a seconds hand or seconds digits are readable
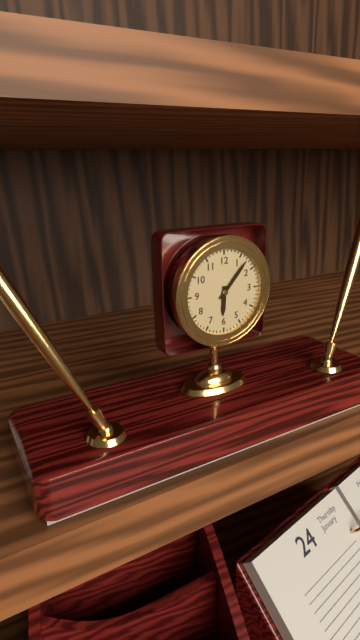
6:07
